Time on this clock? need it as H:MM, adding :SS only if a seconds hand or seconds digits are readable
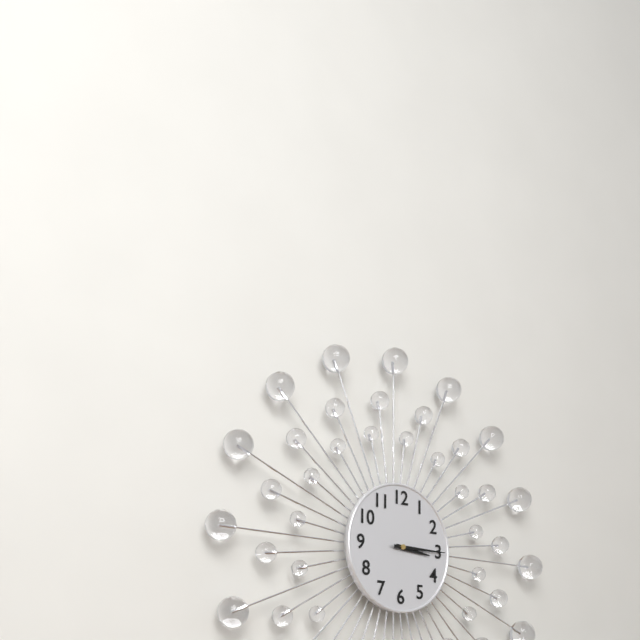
3:15
